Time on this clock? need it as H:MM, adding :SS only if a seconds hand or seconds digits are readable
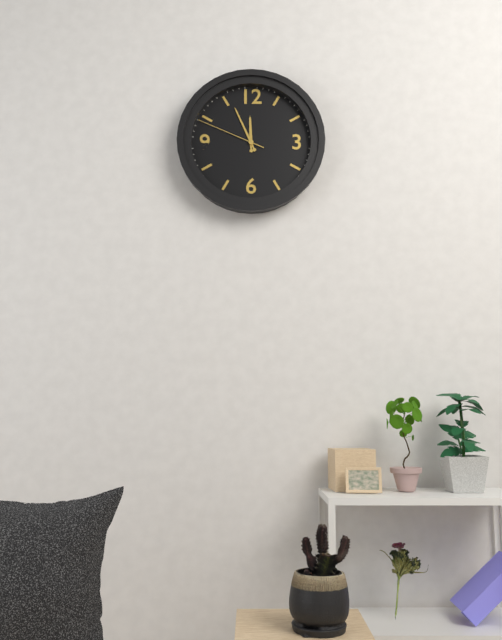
11:56:49
